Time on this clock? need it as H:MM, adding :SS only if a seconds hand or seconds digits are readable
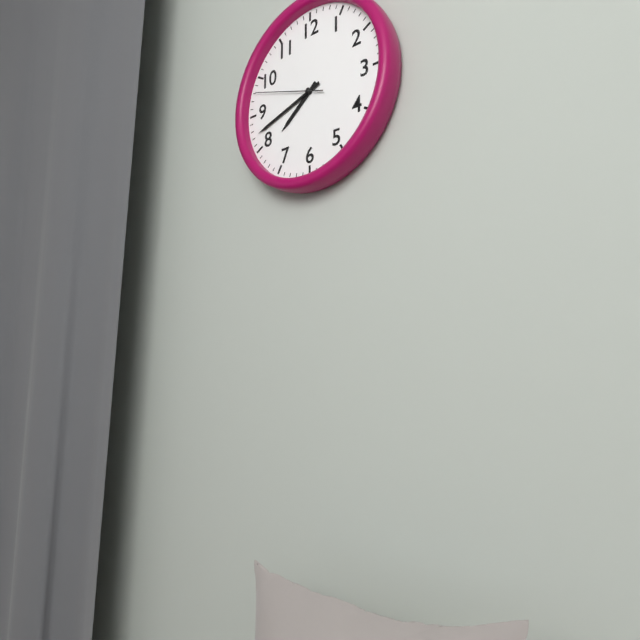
7:42:48
